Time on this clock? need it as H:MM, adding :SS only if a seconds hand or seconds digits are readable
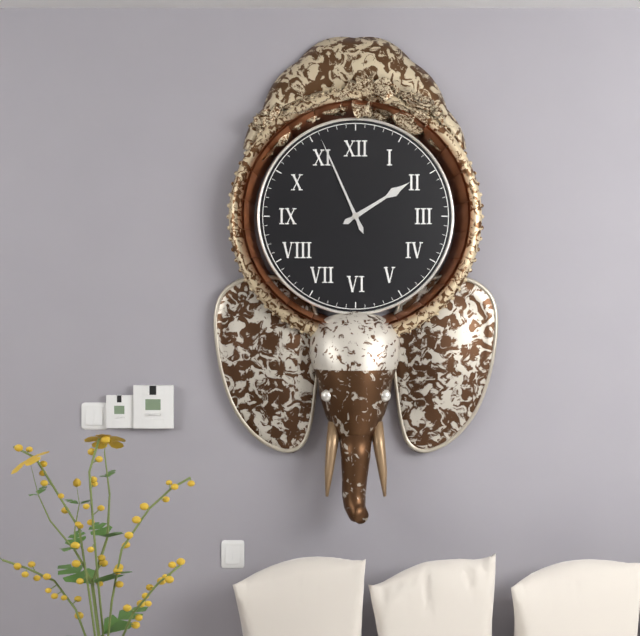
1:56
